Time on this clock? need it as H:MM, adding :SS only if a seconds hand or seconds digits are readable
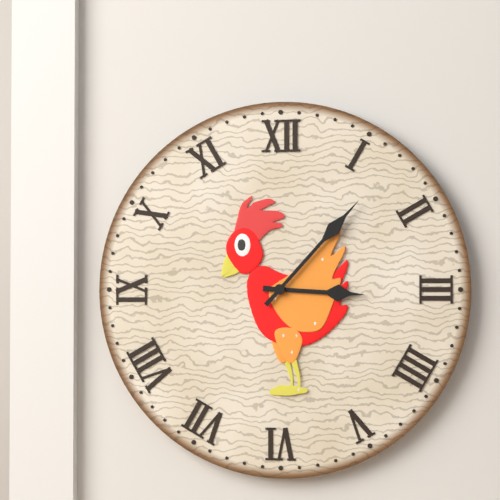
3:07
